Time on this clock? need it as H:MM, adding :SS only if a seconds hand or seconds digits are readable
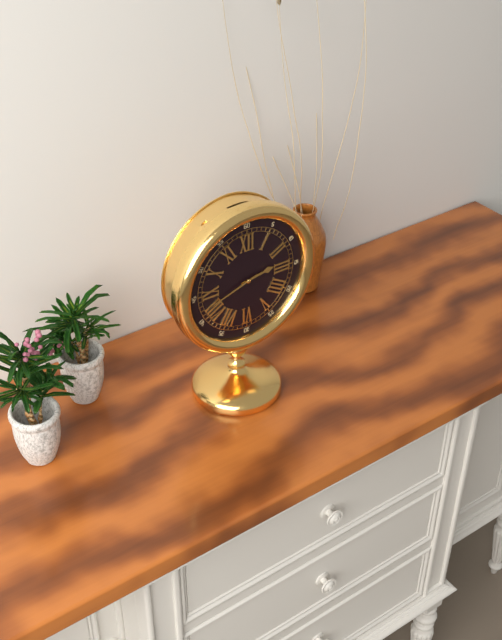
2:42
